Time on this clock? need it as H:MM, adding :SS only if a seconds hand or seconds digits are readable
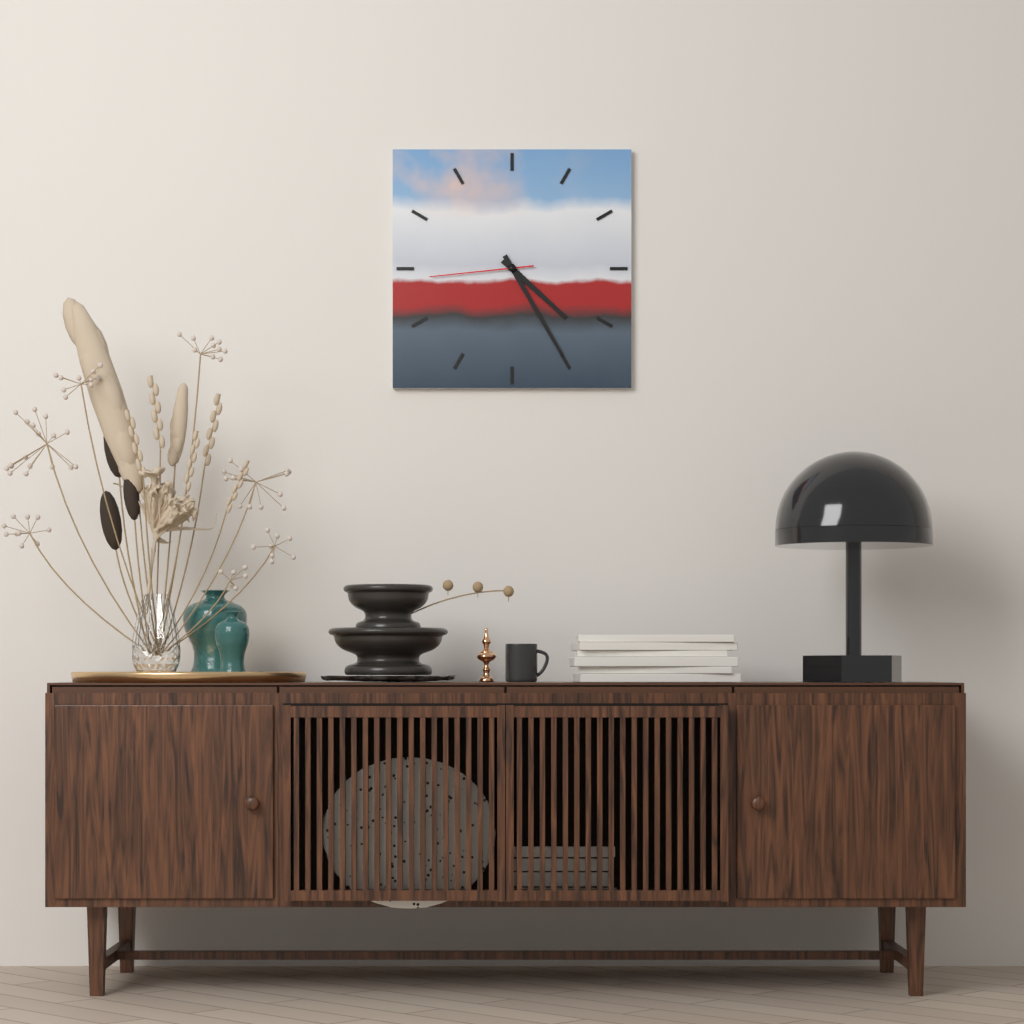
4:25:44
